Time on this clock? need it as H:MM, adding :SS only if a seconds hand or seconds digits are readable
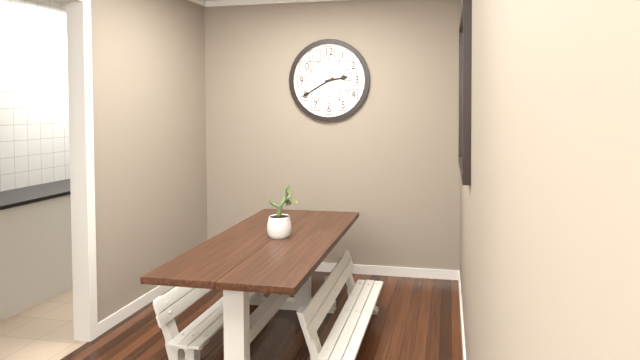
2:40
